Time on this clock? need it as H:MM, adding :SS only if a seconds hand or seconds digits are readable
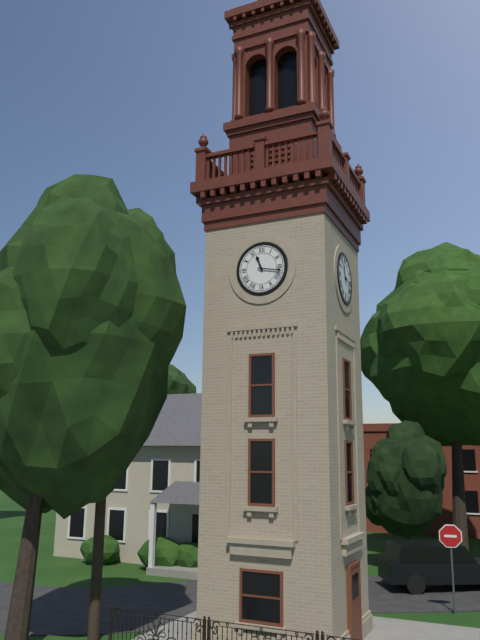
11:17
